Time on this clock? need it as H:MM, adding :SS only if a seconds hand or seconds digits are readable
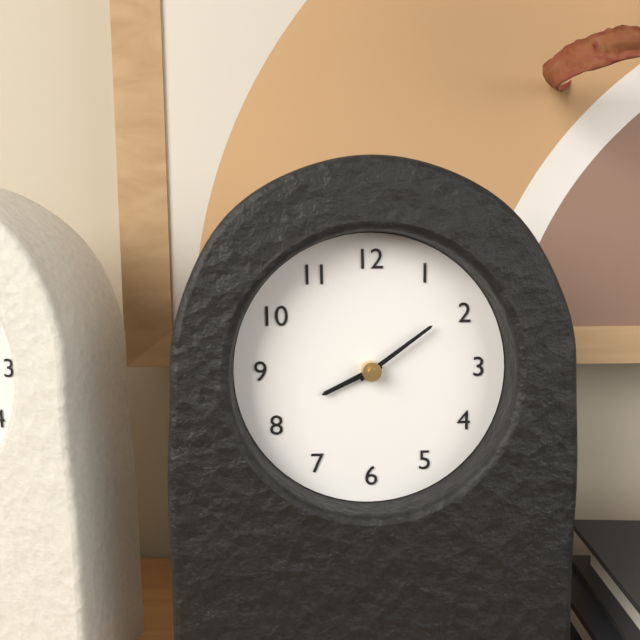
8:09
